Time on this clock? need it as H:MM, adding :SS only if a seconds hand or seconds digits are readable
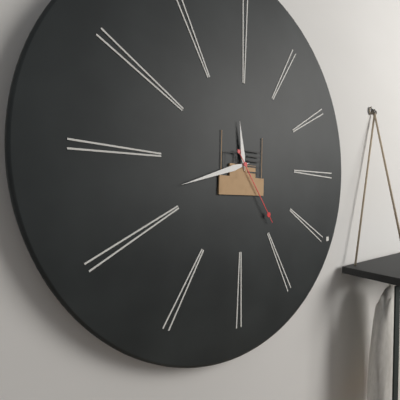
11:42:24
